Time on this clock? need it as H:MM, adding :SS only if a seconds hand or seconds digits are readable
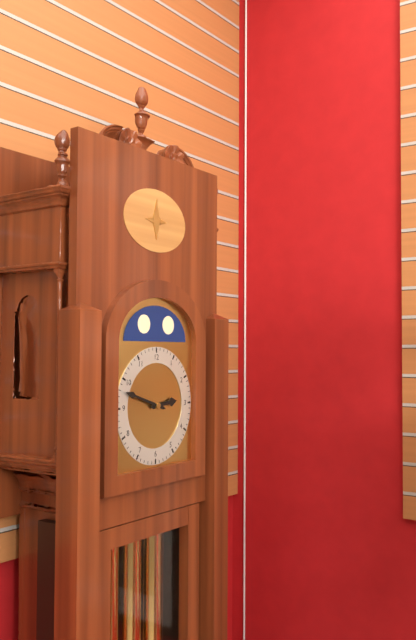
2:48
